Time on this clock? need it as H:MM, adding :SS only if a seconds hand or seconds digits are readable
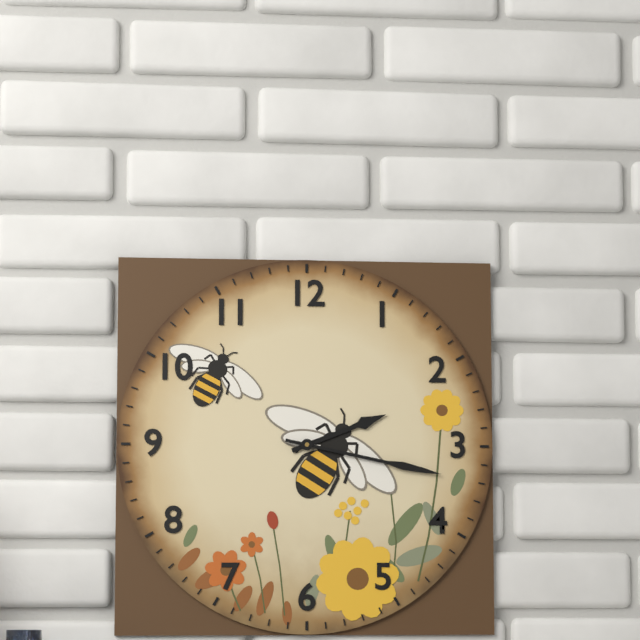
2:17
